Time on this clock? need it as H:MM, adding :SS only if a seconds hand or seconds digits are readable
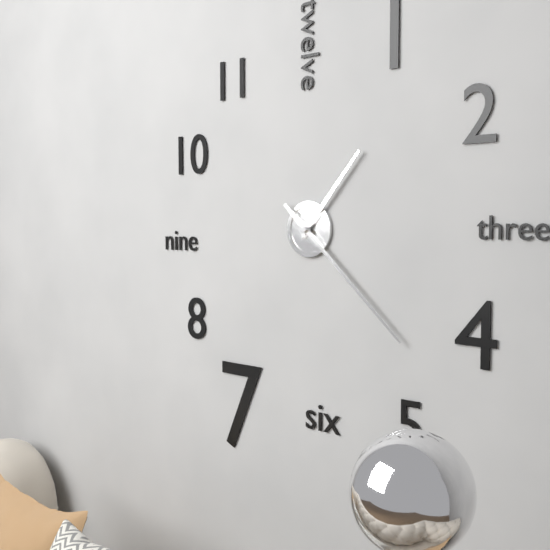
1:22
